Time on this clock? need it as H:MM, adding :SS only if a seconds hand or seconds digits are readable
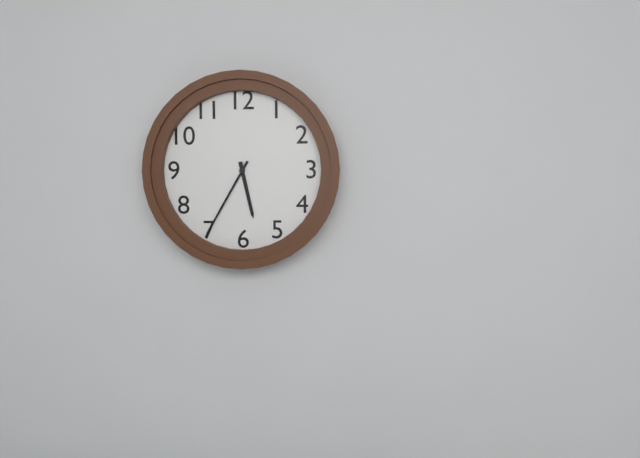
5:35
